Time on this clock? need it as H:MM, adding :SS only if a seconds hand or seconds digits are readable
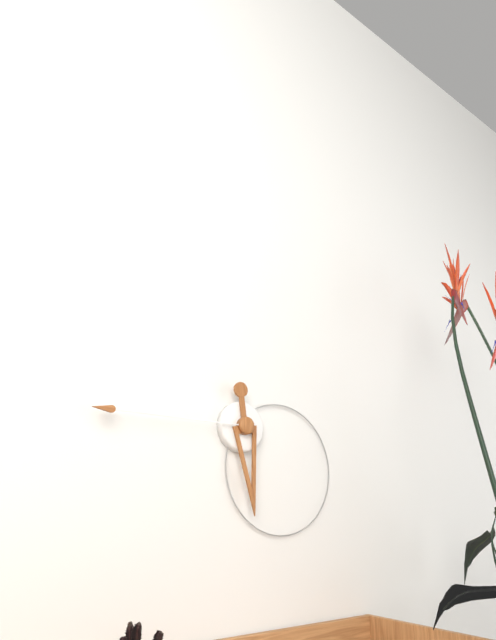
5:45
